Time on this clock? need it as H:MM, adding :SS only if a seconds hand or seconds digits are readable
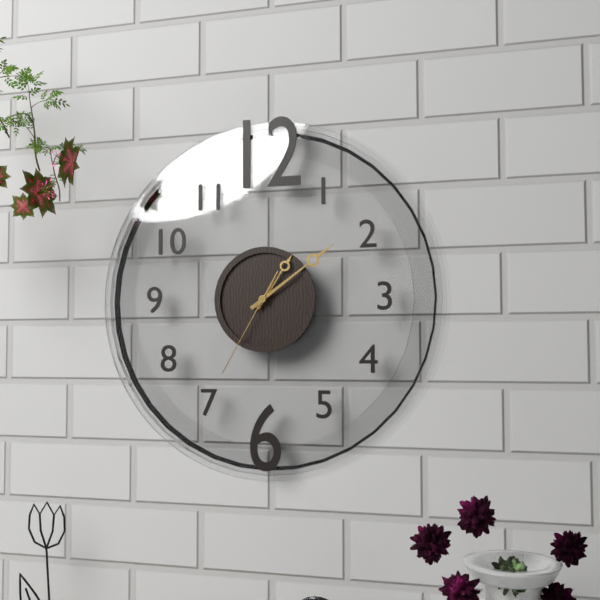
1:09:35
